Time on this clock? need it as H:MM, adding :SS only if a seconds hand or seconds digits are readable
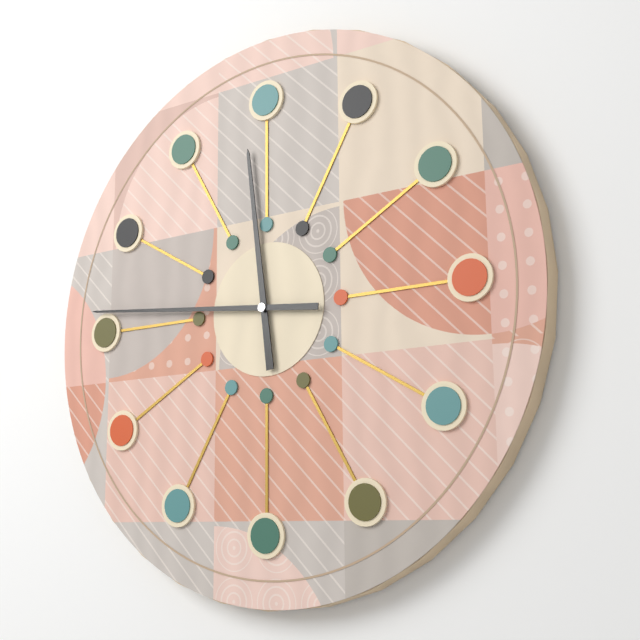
11:46
